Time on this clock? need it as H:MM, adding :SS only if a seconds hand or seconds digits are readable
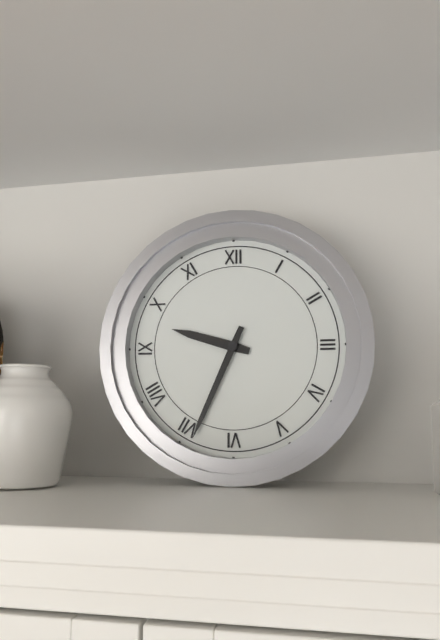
9:34
